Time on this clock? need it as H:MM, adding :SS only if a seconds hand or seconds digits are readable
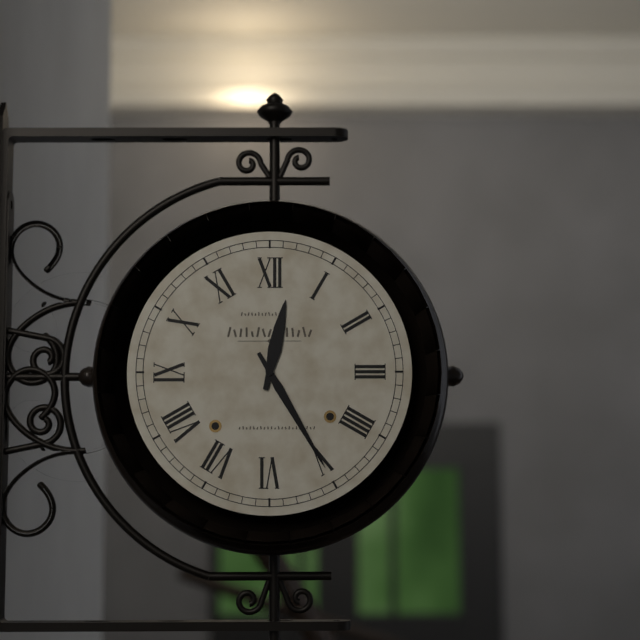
12:25
